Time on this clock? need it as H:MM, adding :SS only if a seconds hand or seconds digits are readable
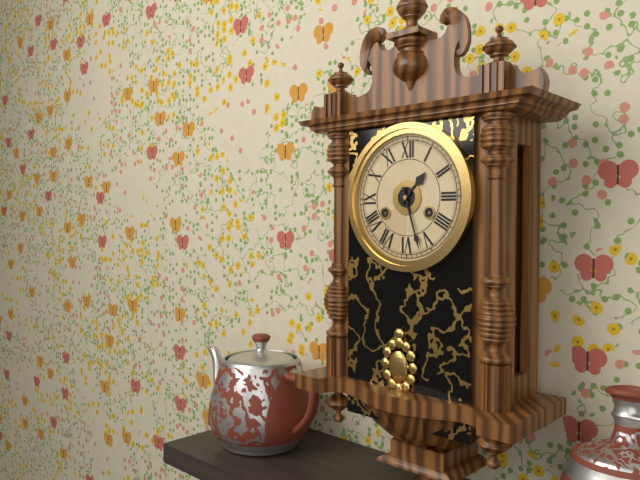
1:27
